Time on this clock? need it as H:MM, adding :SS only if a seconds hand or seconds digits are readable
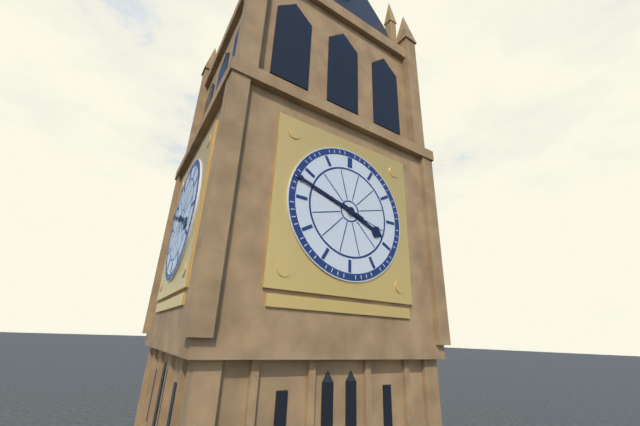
3:48
